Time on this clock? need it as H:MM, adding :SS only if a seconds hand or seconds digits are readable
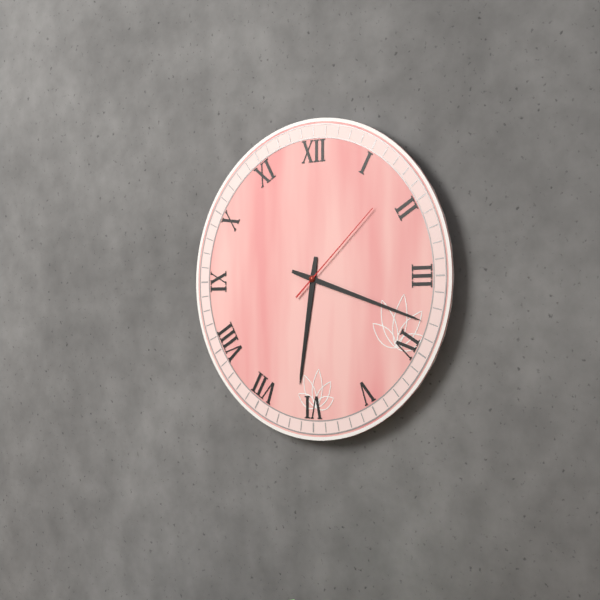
6:18:08
